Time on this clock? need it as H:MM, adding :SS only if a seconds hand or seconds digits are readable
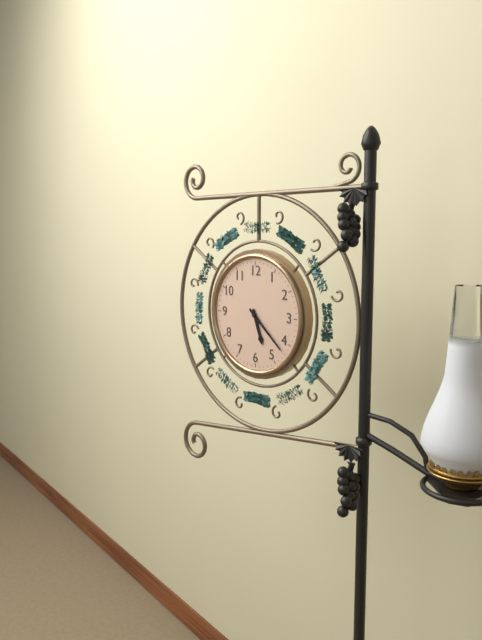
5:22
